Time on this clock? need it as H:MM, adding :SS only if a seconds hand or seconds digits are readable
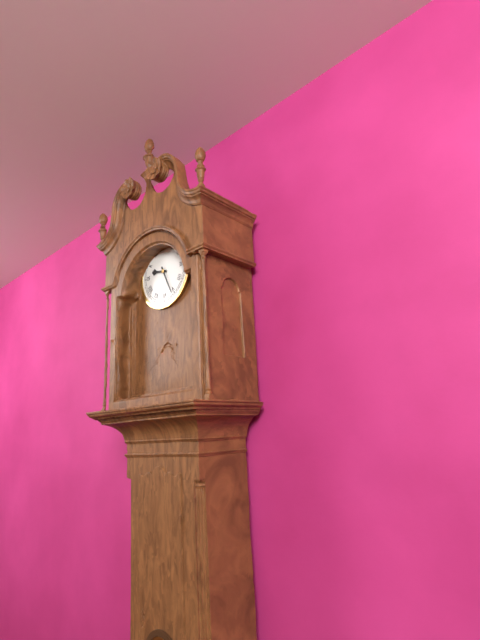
9:26
